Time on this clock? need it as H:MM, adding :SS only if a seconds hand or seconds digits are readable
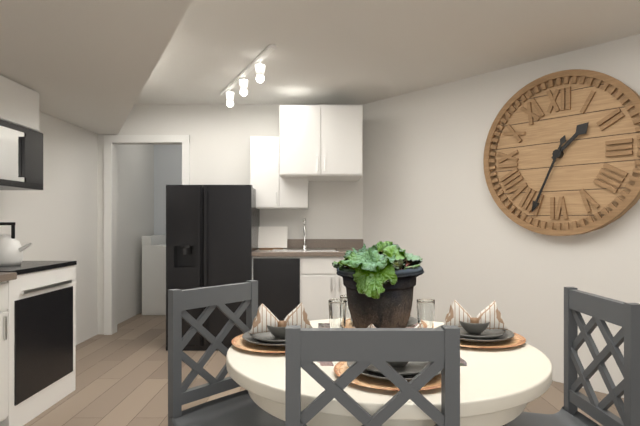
1:34
